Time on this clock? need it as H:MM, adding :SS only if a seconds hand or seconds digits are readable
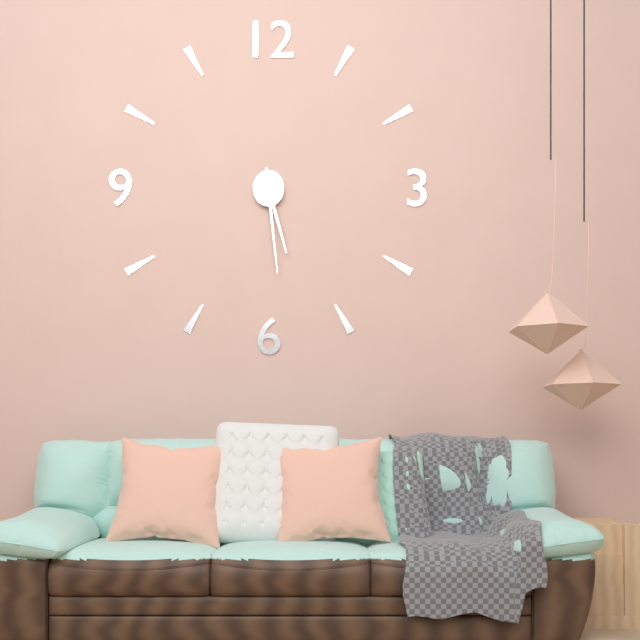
5:29
